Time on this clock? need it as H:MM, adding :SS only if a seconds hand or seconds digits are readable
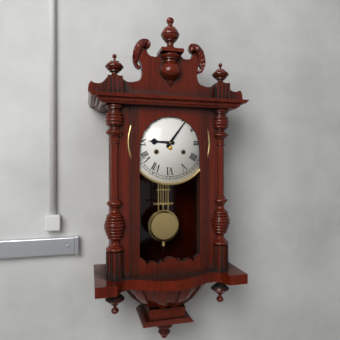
9:06
